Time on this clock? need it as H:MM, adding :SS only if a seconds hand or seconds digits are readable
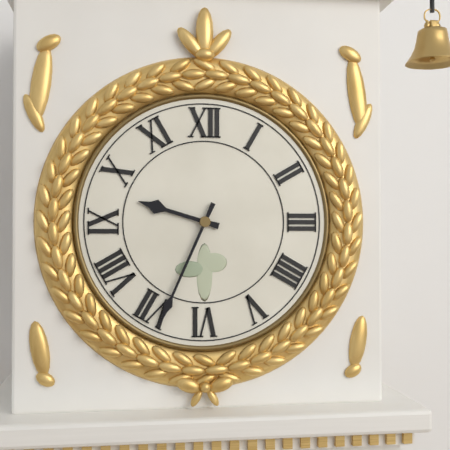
9:34
